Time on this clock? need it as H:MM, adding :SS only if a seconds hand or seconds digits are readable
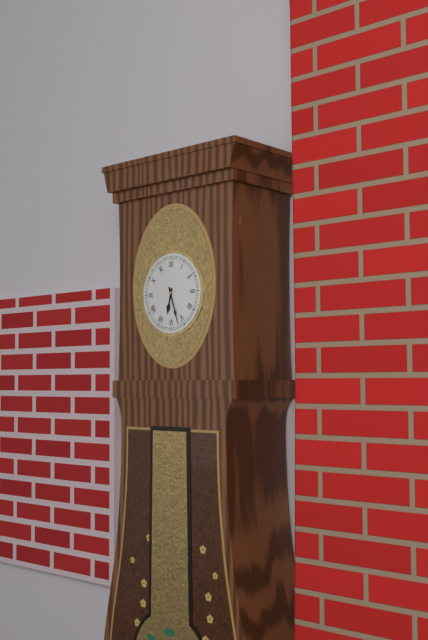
6:27
